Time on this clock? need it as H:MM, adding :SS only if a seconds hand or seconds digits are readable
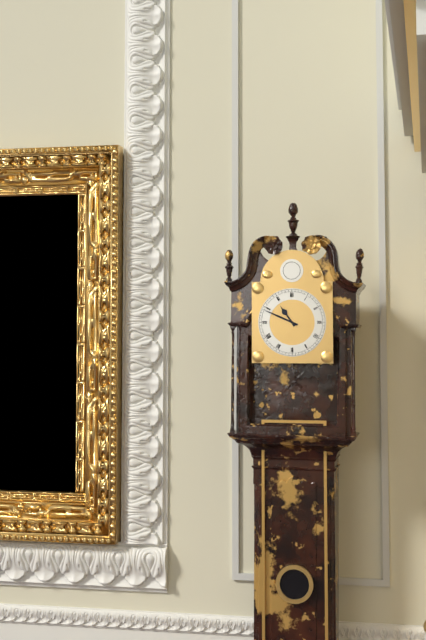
10:49
